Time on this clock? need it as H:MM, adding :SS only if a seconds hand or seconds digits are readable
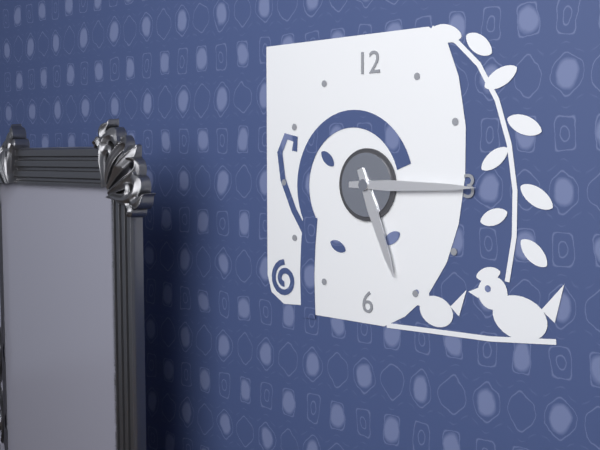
5:15
